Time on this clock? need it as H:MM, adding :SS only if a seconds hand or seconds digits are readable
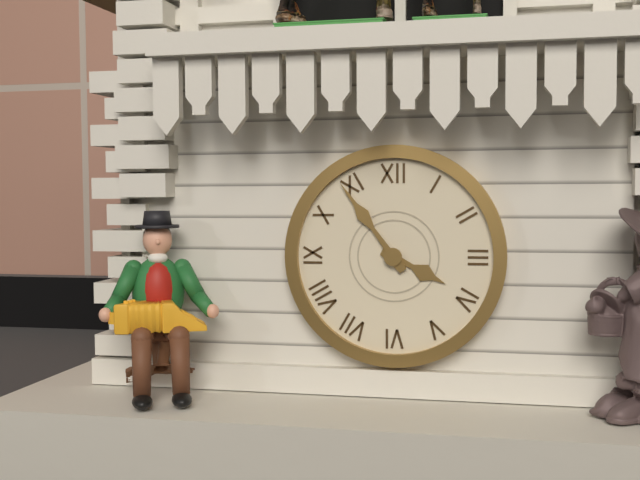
3:54
